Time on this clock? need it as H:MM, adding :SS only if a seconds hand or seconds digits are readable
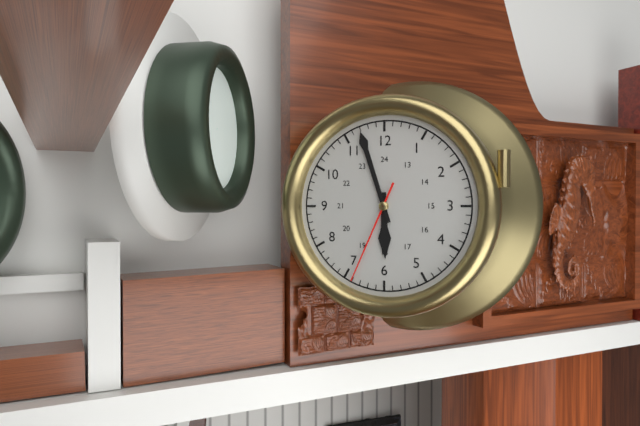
5:57:34
